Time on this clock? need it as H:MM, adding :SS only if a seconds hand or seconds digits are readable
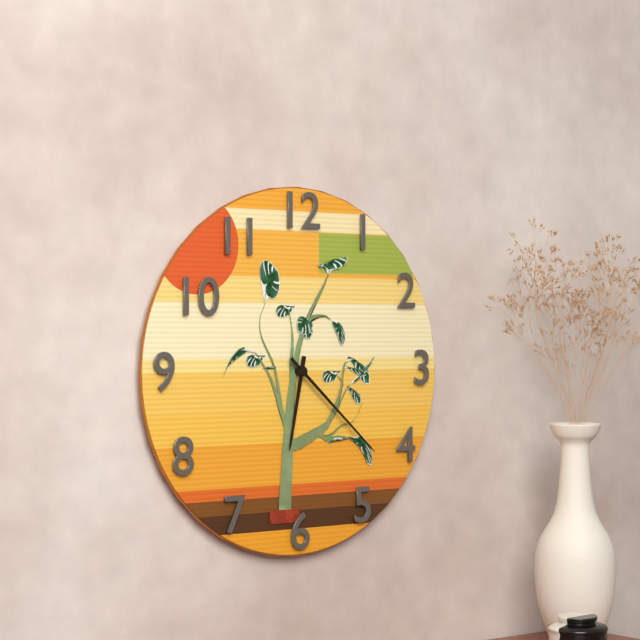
6:22
